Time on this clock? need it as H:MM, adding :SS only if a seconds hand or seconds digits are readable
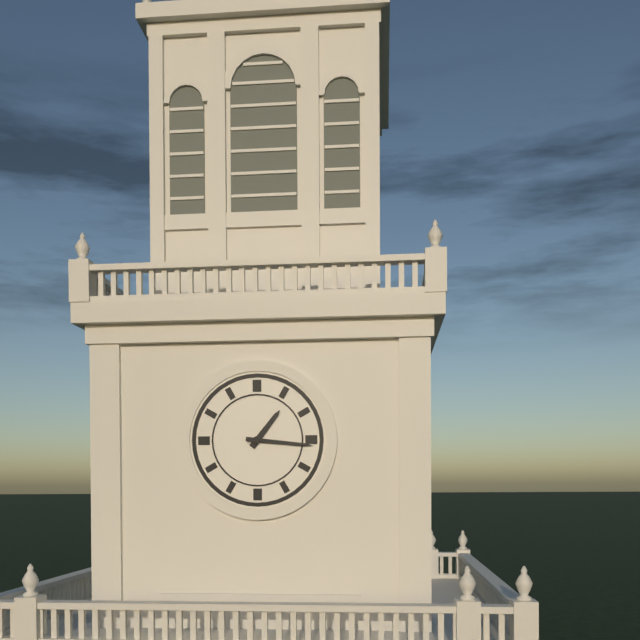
1:16
